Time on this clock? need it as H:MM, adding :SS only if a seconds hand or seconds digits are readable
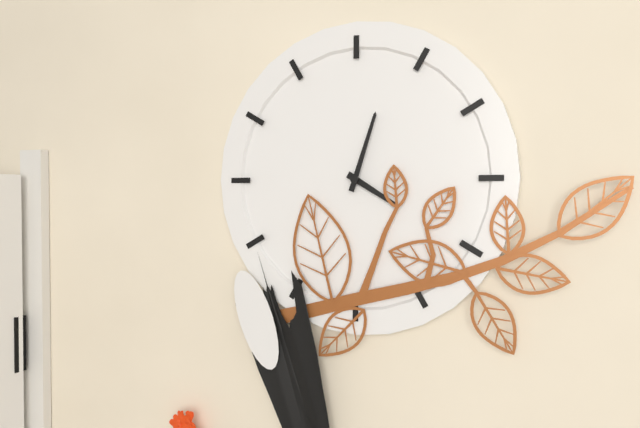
4:03
